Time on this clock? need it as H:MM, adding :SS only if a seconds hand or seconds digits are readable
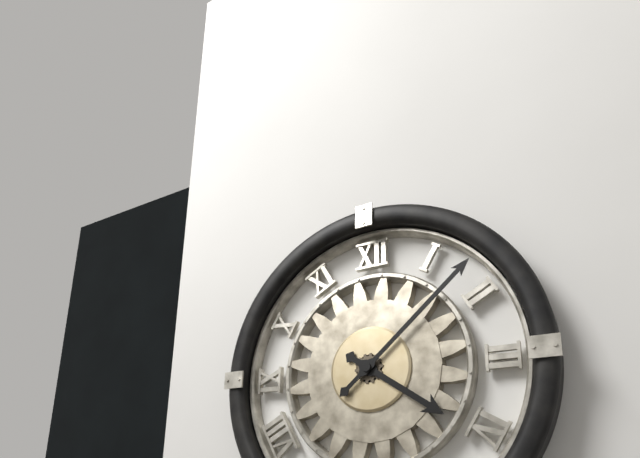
4:08
